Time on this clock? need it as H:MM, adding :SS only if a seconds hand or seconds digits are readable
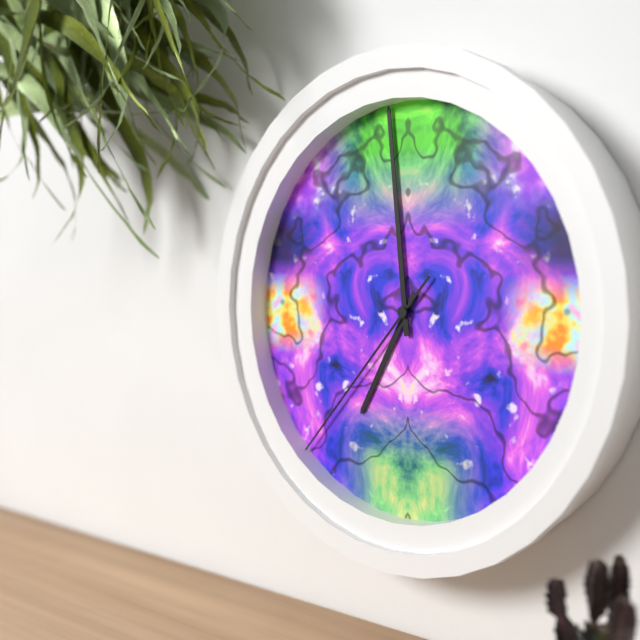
6:59:37
